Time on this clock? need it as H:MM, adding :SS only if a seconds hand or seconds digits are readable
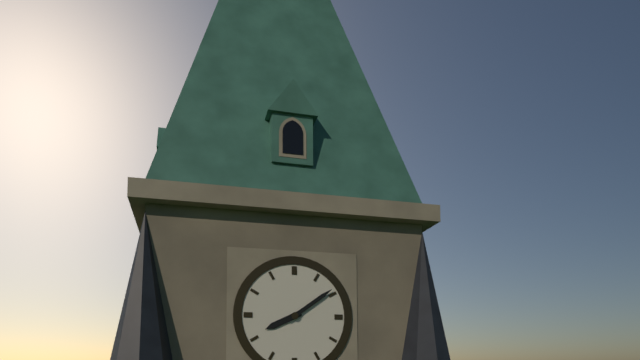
8:09
